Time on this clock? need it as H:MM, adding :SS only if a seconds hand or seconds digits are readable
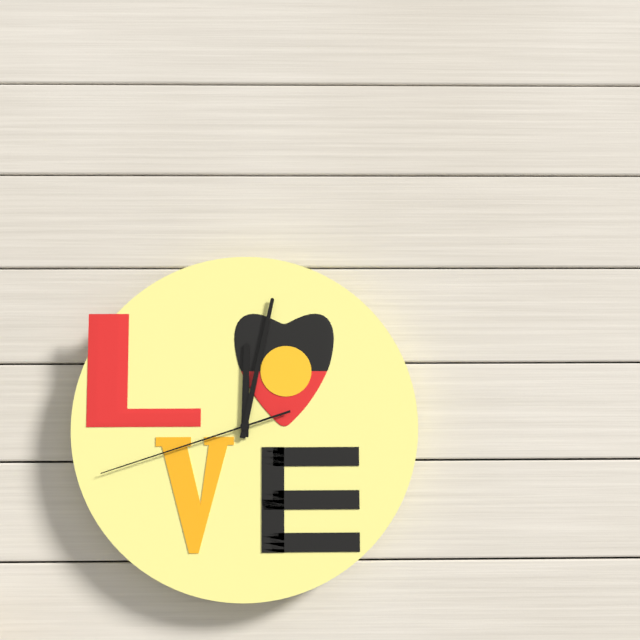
12:02:42
